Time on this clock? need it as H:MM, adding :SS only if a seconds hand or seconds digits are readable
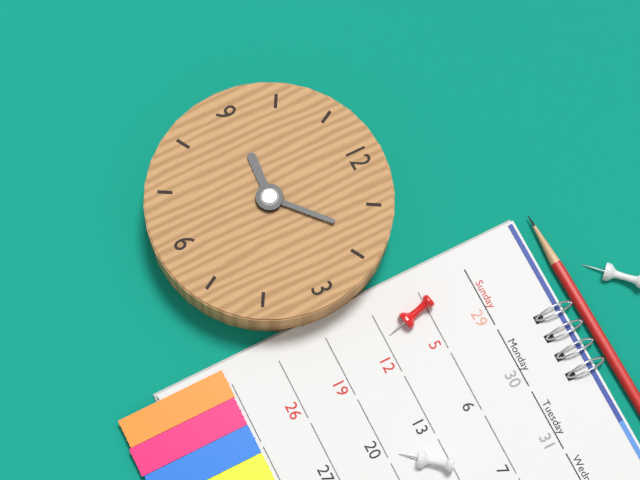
9:08
